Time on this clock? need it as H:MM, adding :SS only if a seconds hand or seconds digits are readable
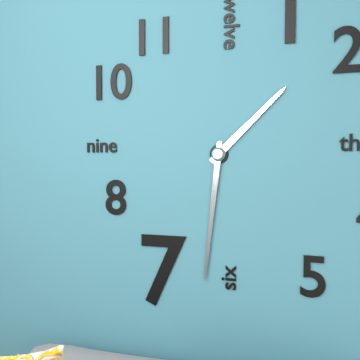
1:31
